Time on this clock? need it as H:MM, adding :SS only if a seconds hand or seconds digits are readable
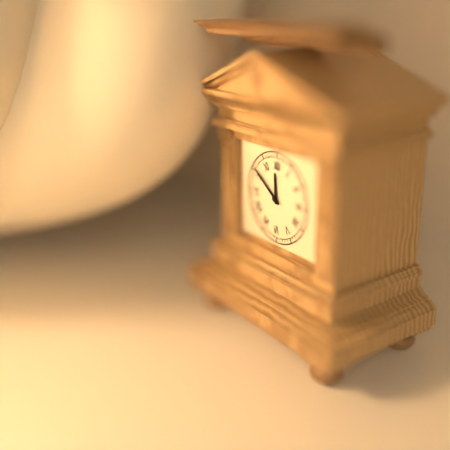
11:51
